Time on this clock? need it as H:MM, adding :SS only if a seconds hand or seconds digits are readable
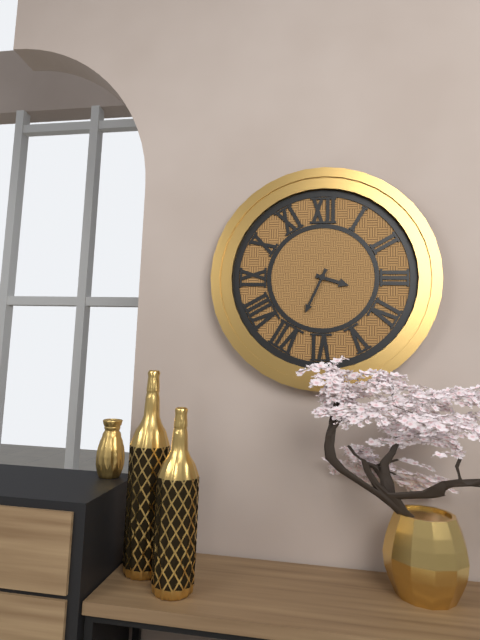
3:34
